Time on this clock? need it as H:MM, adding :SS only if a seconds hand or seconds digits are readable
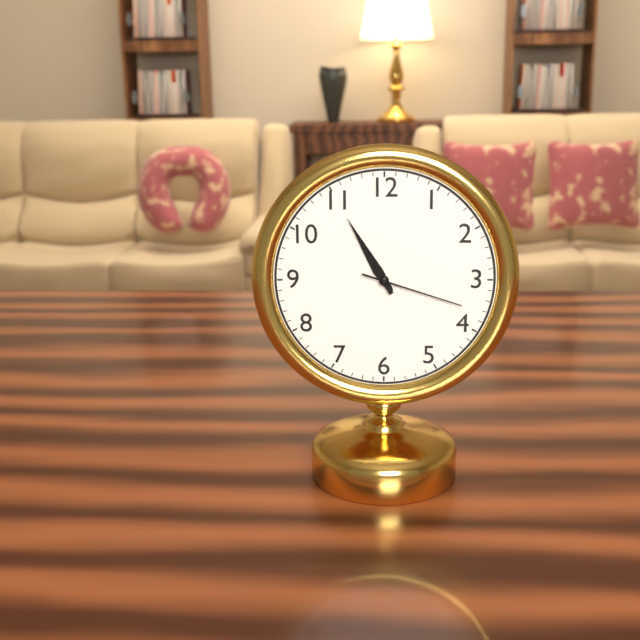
10:55:18
